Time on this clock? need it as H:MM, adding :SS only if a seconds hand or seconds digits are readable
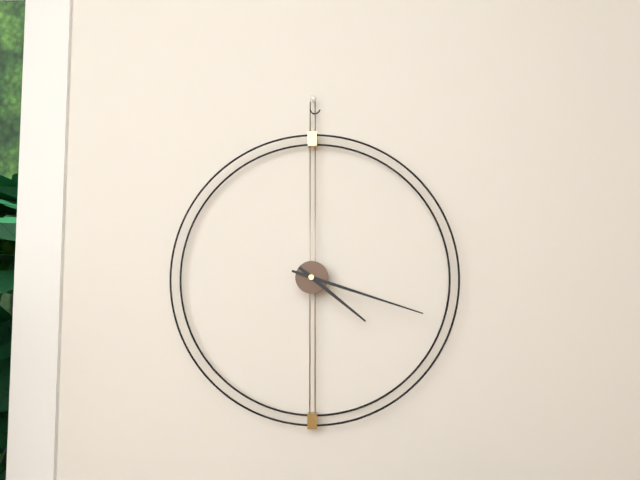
4:18
